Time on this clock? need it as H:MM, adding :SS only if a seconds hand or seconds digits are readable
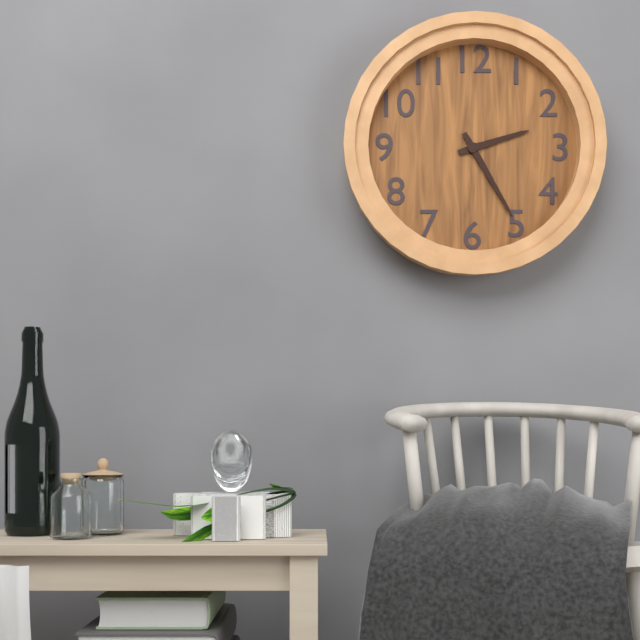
2:25
